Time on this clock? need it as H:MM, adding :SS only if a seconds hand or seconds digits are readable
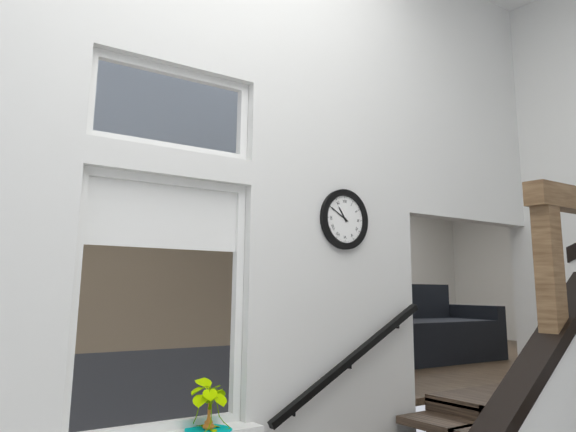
10:50
